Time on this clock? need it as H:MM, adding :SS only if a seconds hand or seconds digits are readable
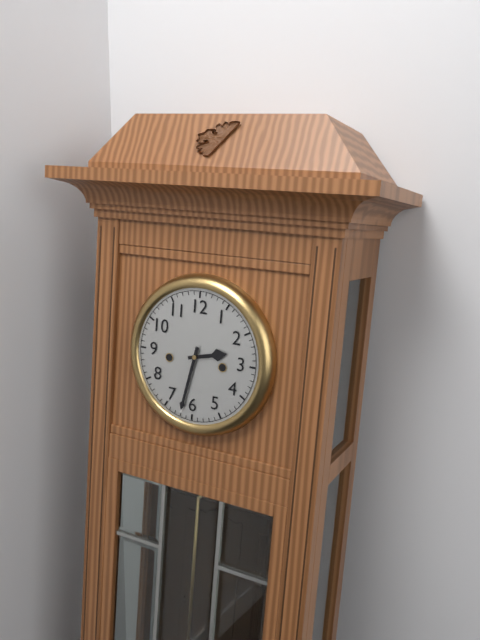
2:32
